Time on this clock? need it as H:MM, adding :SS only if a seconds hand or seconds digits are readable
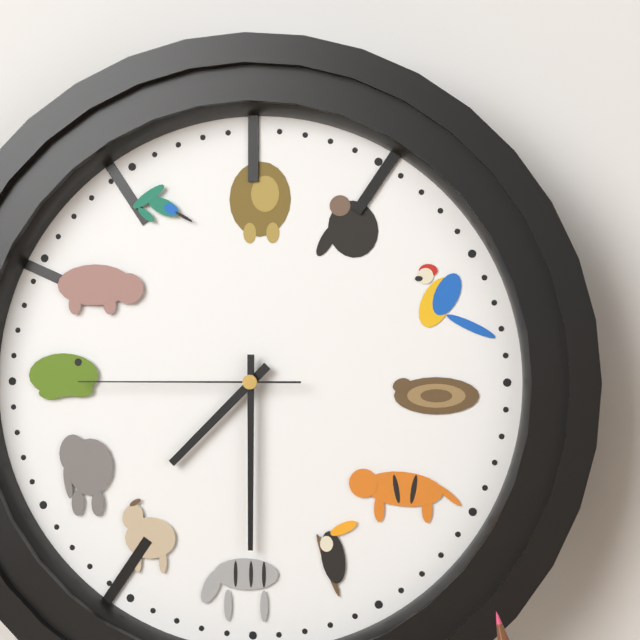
7:30:45
